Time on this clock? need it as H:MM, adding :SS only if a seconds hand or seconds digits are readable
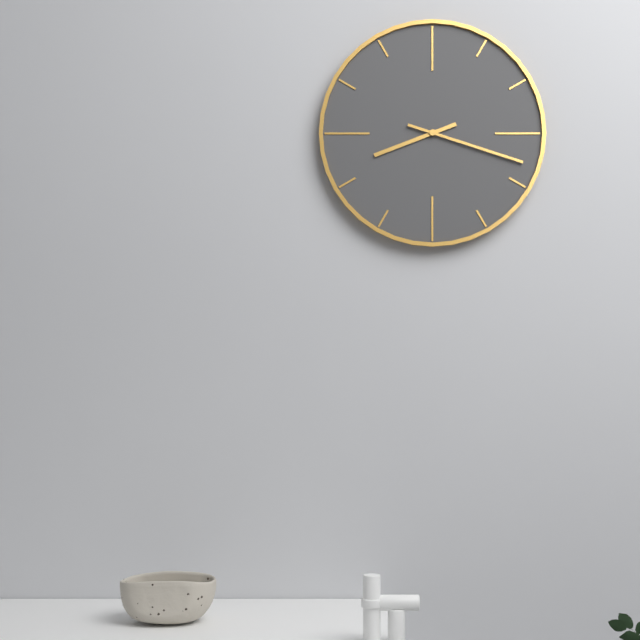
8:18
